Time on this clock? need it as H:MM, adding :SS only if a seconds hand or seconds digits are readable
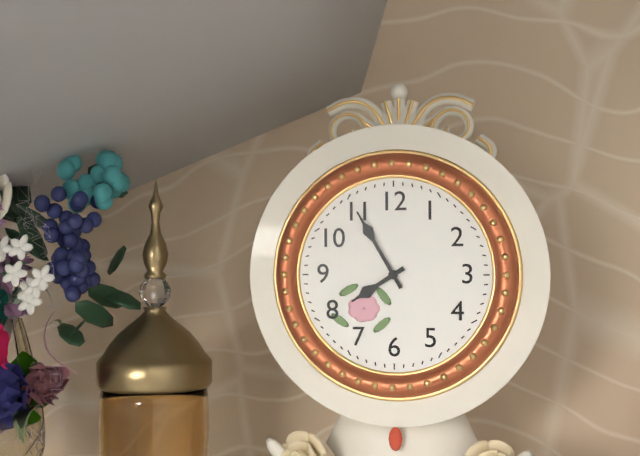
7:55
